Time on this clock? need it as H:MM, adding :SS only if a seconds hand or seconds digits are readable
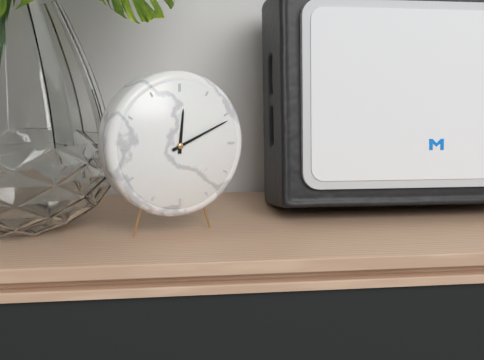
12:11
